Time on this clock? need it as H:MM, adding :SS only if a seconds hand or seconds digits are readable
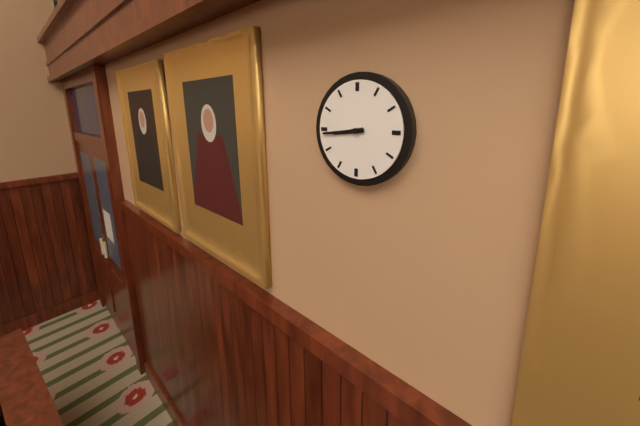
8:44
